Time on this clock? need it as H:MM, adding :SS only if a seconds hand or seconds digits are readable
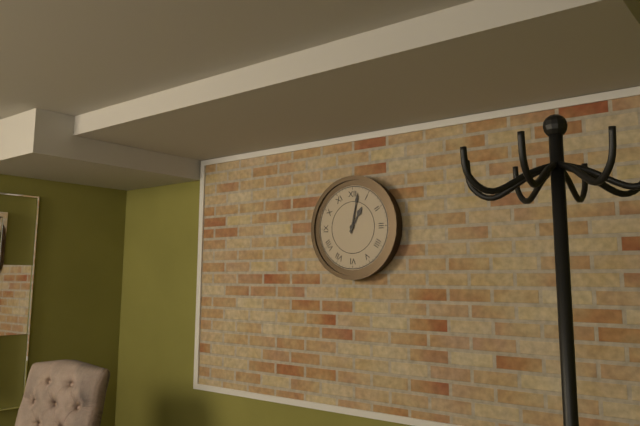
1:02
